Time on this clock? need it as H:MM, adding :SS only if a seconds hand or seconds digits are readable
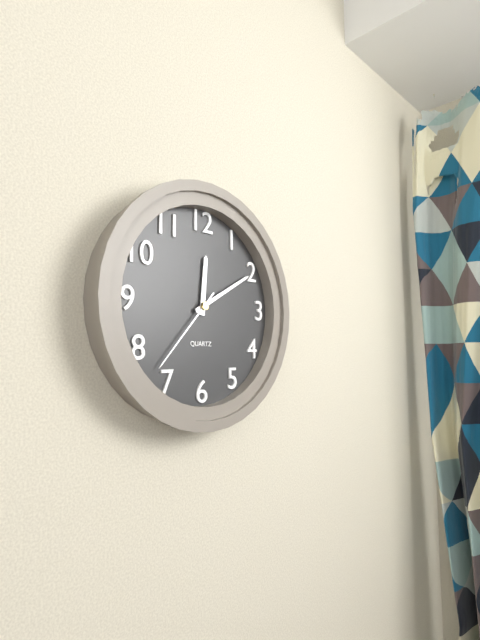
12:10:37
